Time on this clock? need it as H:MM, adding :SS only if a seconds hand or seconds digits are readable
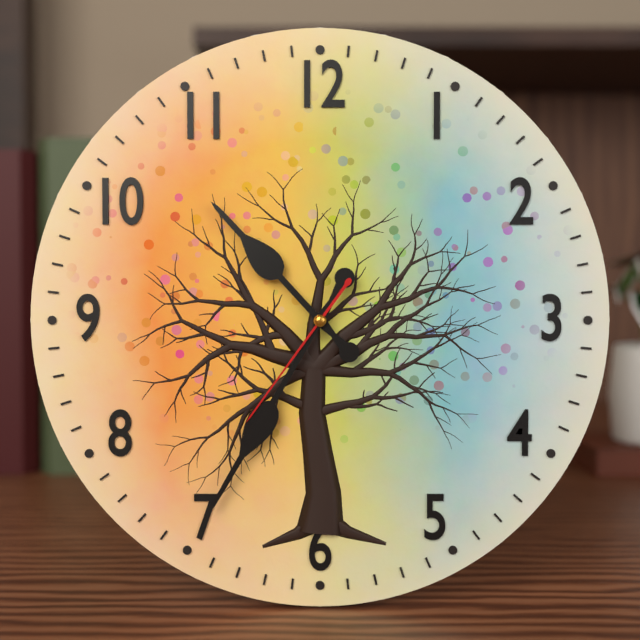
10:35:36
